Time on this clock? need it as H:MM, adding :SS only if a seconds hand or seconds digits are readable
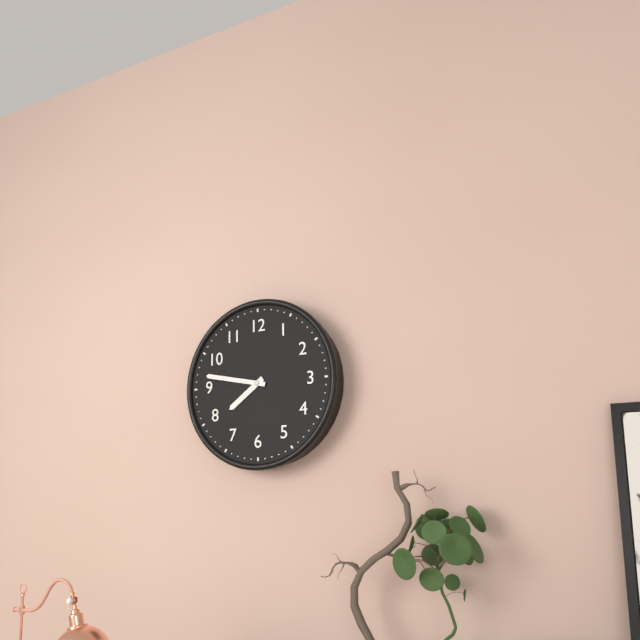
7:47
